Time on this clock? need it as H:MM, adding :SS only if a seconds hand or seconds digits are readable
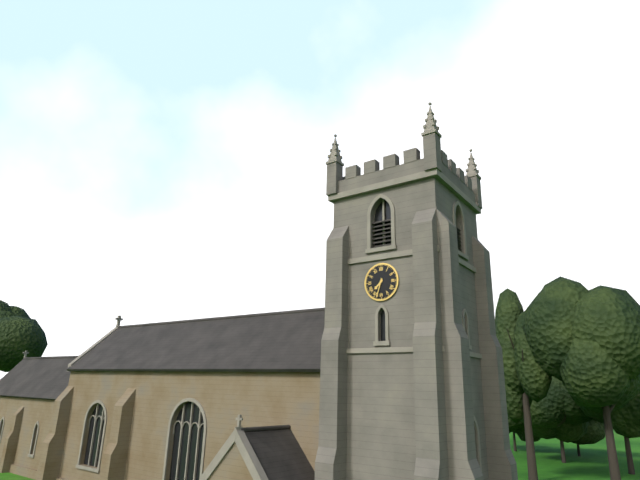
7:33
